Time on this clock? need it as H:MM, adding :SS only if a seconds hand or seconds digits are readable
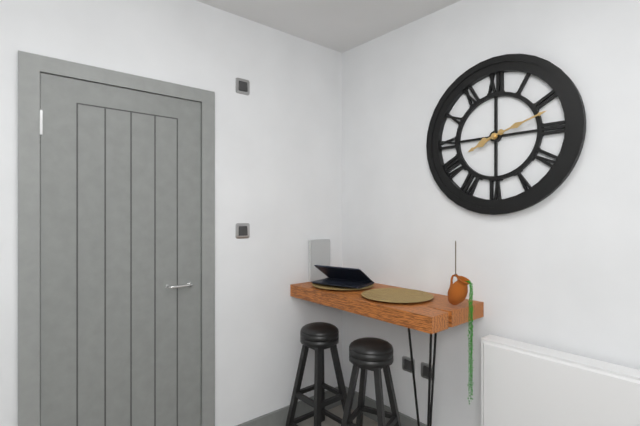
8:12
